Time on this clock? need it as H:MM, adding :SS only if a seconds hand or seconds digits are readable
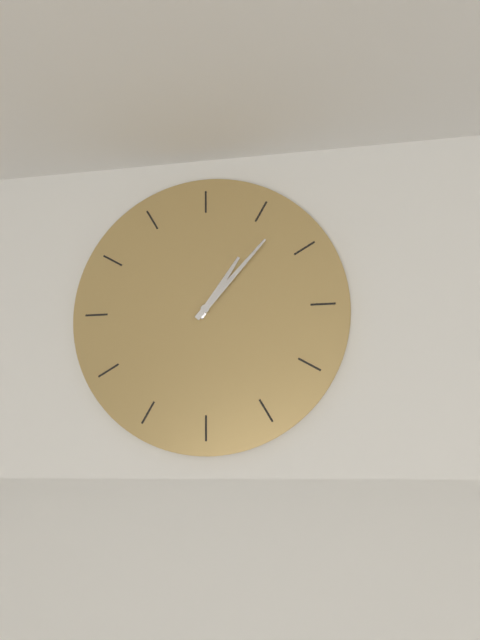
1:07
